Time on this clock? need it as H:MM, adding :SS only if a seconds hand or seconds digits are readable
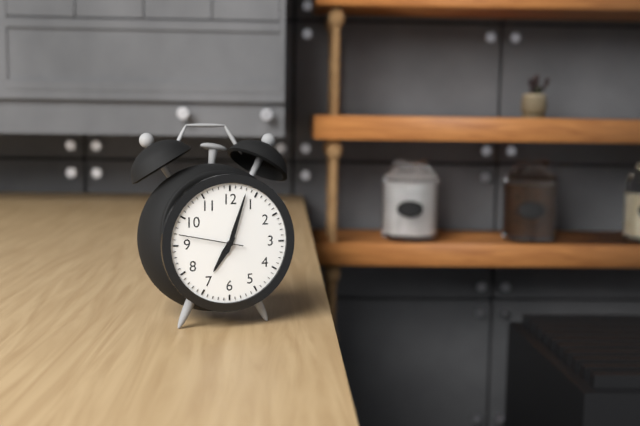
7:03:47
